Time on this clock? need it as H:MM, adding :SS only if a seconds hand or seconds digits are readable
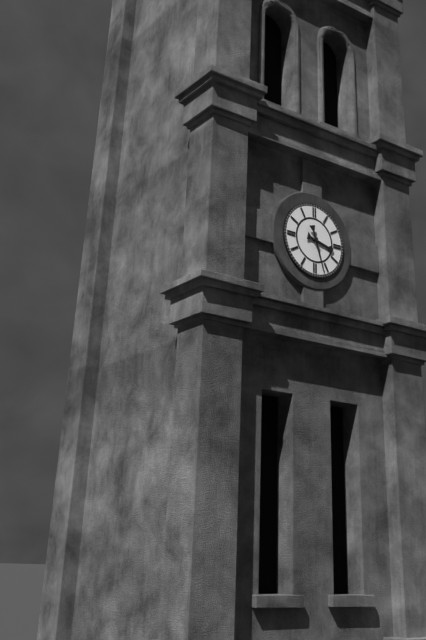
3:27
